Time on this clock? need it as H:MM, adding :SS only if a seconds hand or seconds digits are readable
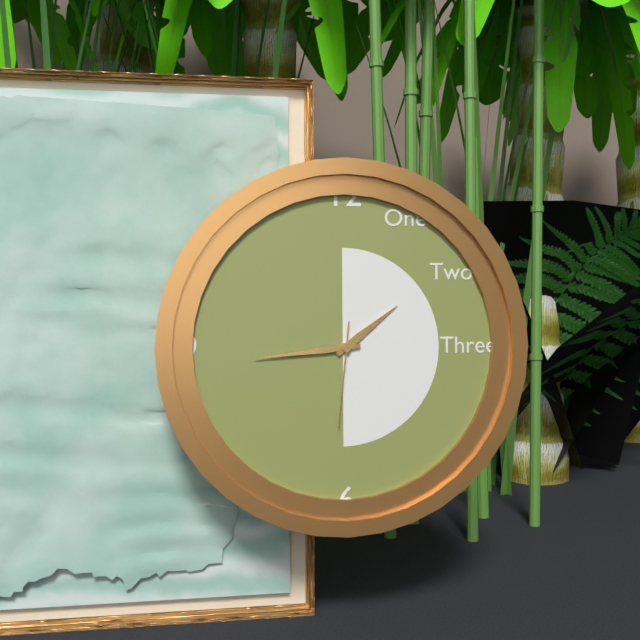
1:44:31
